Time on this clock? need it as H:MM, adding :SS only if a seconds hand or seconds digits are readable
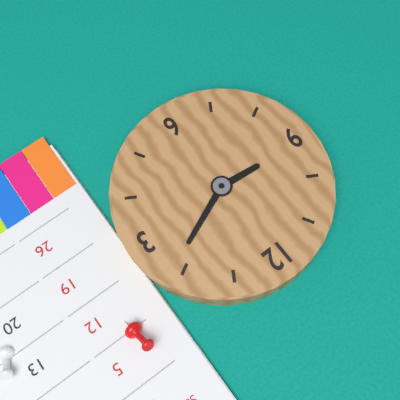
9:11
